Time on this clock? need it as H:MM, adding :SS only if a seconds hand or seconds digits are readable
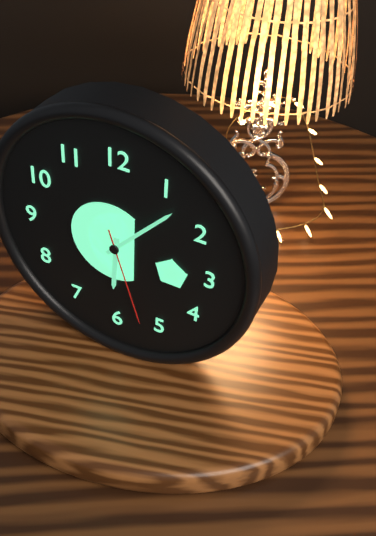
6:07:27
